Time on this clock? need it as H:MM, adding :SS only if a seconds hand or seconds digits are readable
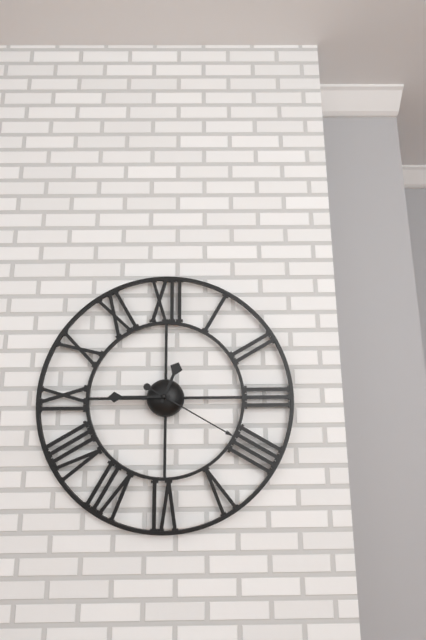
12:45:20
